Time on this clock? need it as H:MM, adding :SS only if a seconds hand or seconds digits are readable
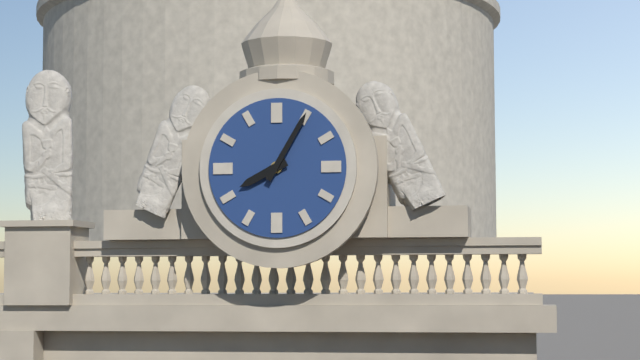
8:05
